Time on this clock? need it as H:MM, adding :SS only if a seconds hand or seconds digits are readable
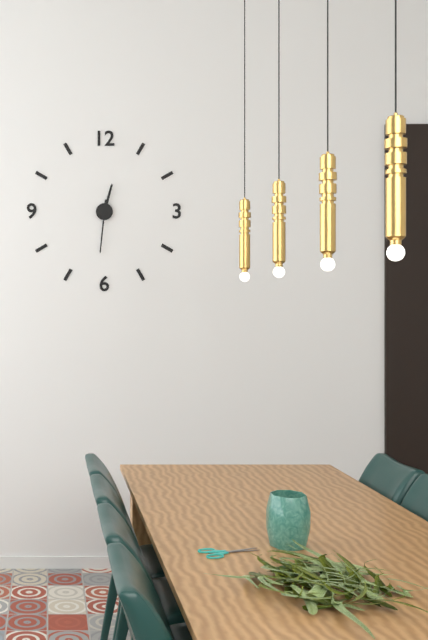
12:31
